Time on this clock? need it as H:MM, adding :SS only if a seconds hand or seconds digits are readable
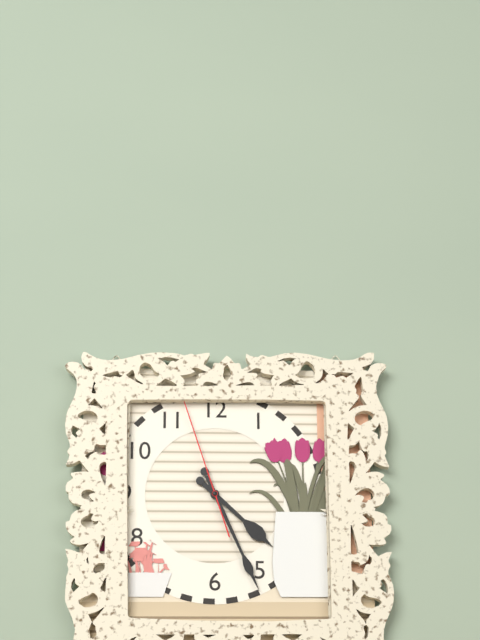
4:26:57
